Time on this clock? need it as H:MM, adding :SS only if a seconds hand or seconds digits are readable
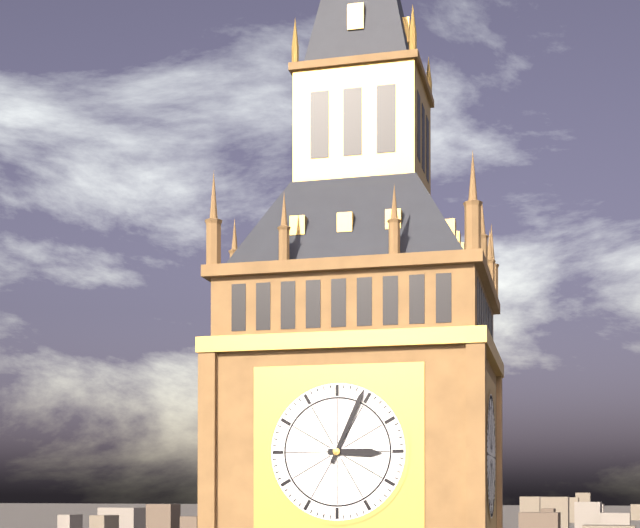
3:04
